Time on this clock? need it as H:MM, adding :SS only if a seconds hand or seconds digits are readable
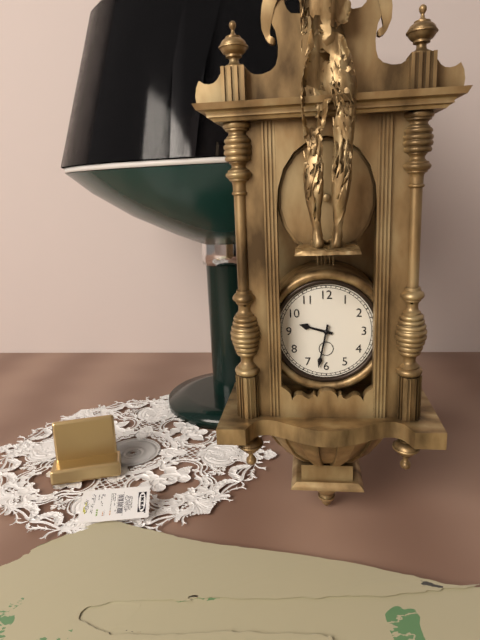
9:32
